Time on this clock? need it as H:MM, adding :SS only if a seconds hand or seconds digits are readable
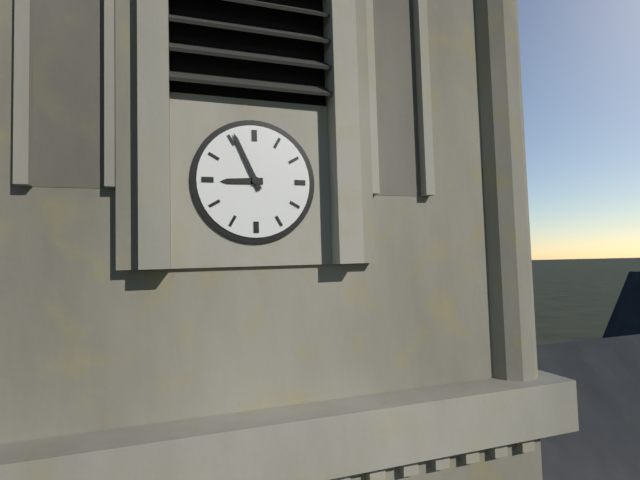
8:56
